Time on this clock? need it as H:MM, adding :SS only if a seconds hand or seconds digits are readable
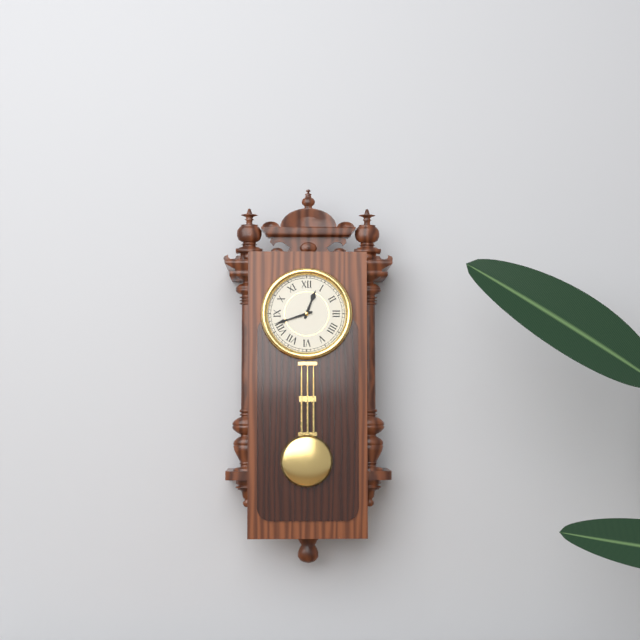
12:42
